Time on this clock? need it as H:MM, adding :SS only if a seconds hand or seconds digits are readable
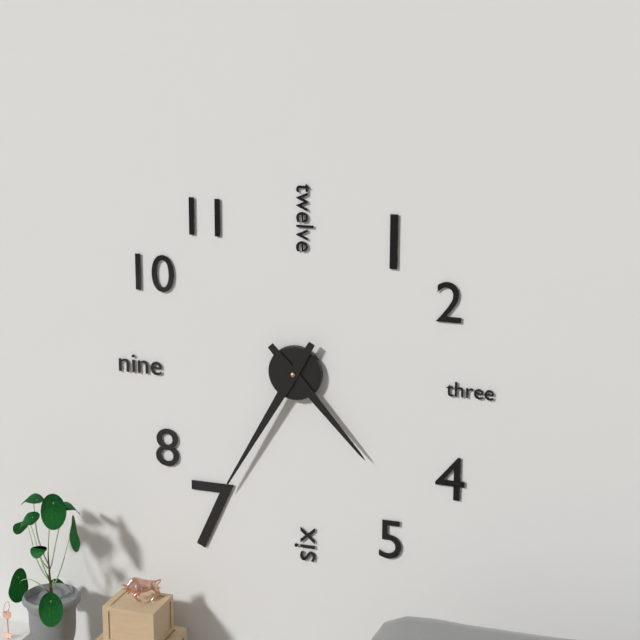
4:35
